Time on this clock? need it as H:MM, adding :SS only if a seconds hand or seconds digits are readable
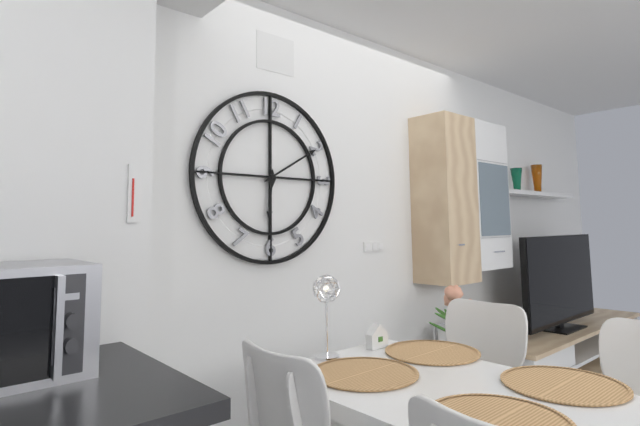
6:10
